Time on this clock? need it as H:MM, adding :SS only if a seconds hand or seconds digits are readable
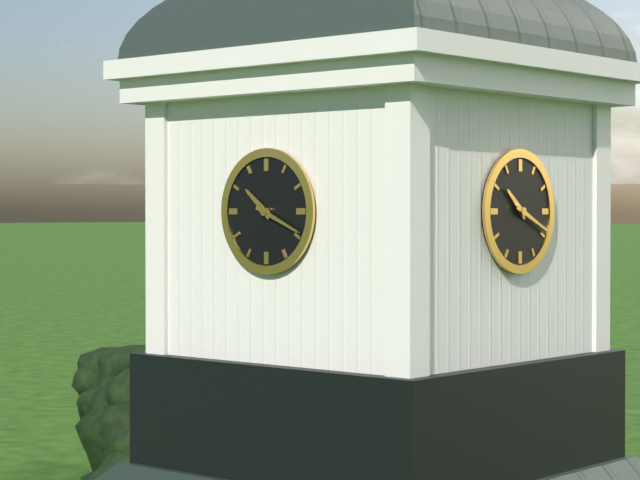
10:19
